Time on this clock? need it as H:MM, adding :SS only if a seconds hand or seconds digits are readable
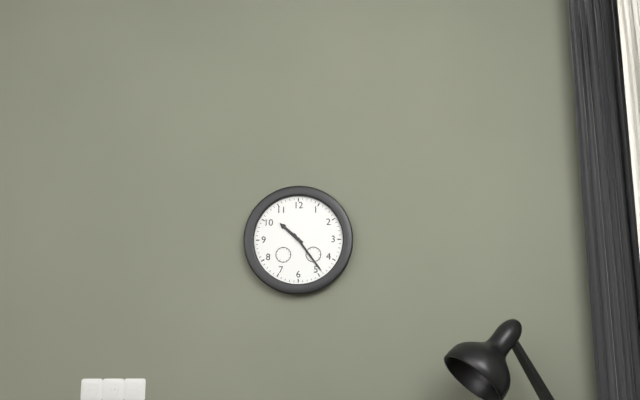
10:24
